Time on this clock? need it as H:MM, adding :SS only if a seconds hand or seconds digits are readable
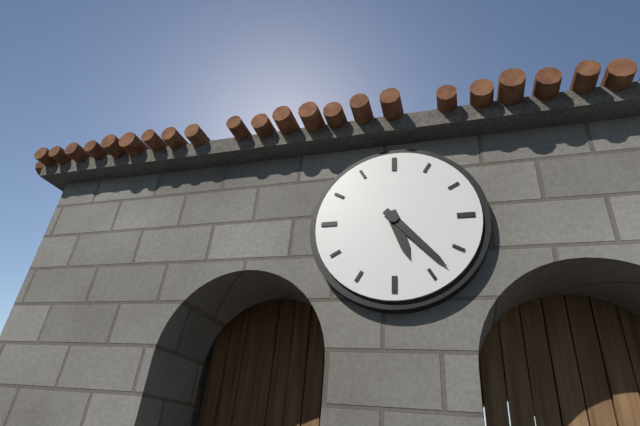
5:23
